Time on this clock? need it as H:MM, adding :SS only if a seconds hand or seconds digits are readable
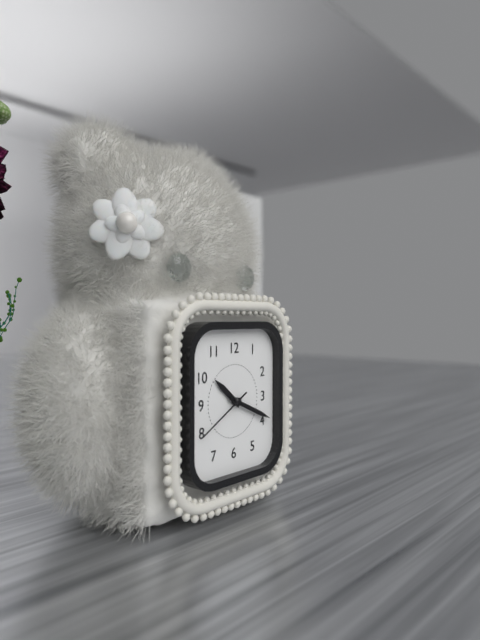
10:19:40
